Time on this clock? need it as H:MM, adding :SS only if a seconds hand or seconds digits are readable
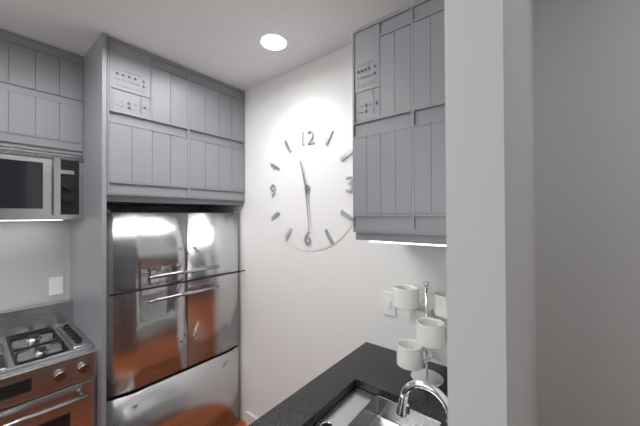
11:29
